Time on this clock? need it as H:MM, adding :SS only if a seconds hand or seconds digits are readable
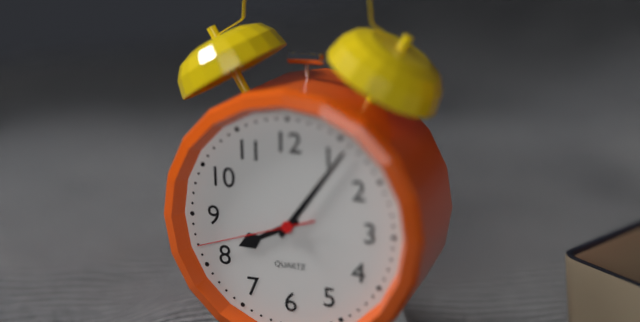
8:06:42
